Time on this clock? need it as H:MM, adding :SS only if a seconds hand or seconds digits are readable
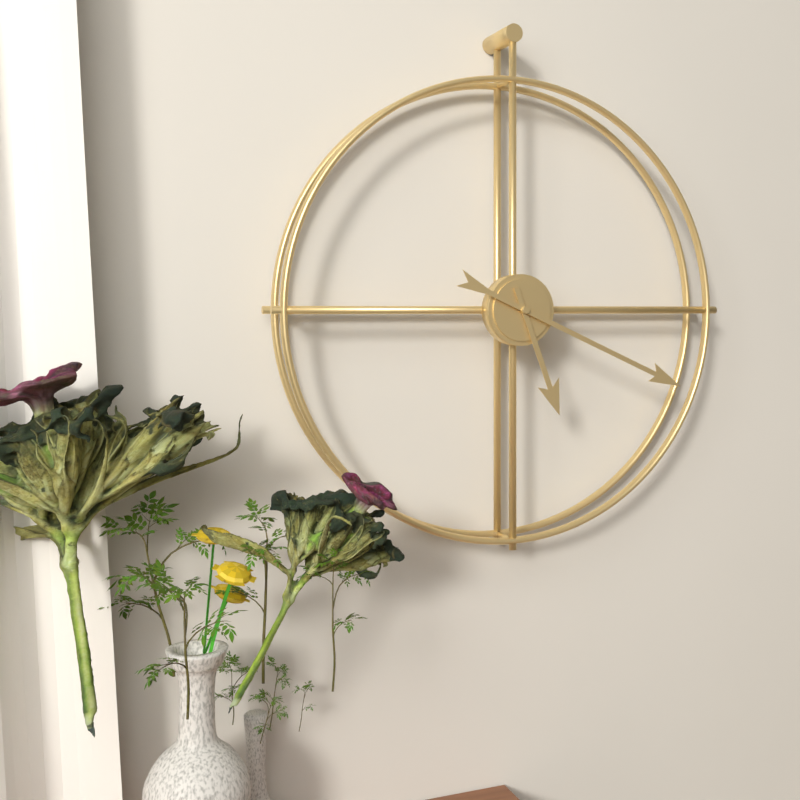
5:19
